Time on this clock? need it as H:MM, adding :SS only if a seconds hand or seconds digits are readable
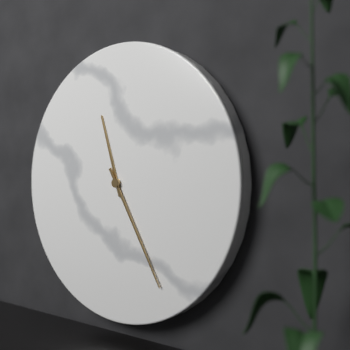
11:25
